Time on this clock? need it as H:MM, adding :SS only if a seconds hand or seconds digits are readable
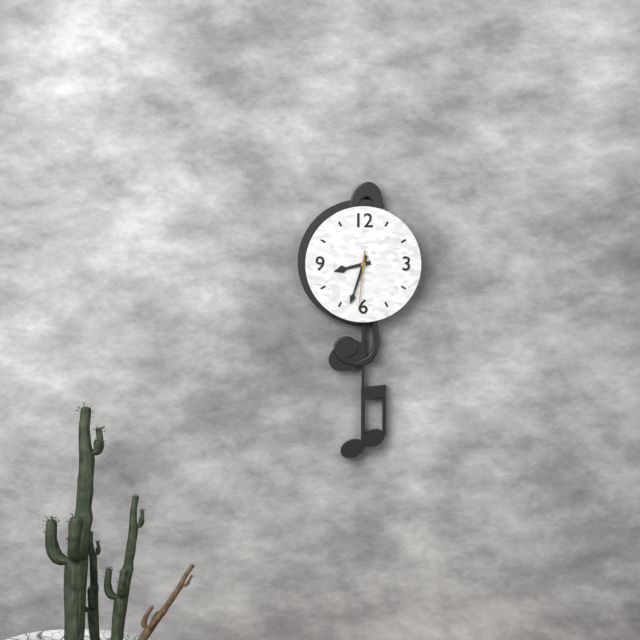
8:33:31
